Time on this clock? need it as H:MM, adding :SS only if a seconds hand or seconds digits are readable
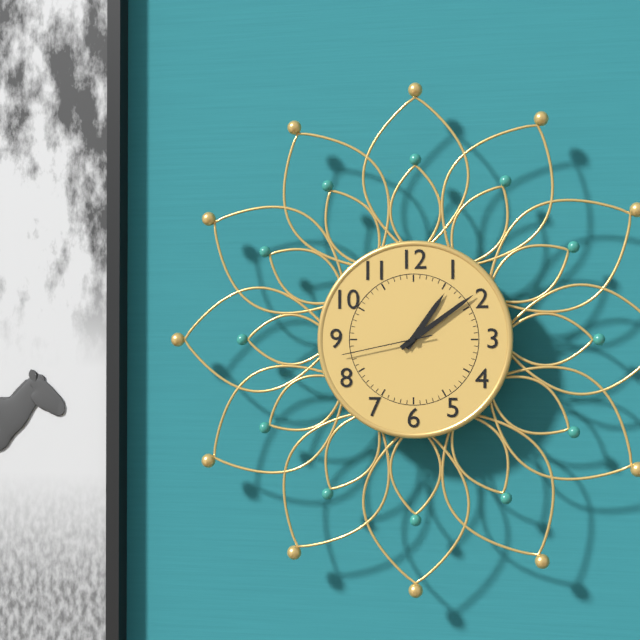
1:09:43
